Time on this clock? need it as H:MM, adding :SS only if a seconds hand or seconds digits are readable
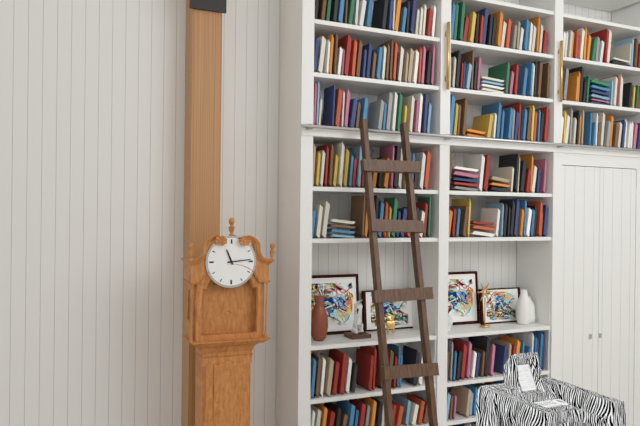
11:14
